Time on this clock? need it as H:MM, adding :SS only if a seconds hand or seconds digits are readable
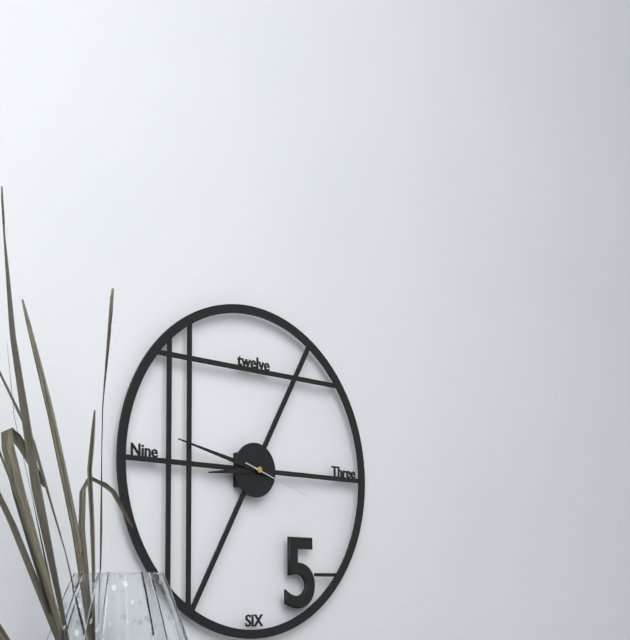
8:47:18
